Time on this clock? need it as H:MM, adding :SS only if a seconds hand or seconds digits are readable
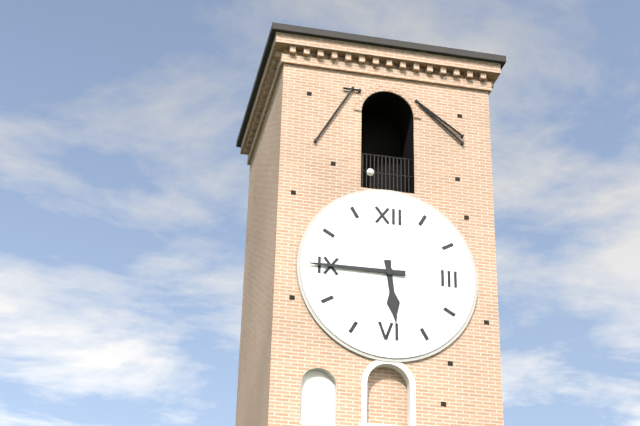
5:45
